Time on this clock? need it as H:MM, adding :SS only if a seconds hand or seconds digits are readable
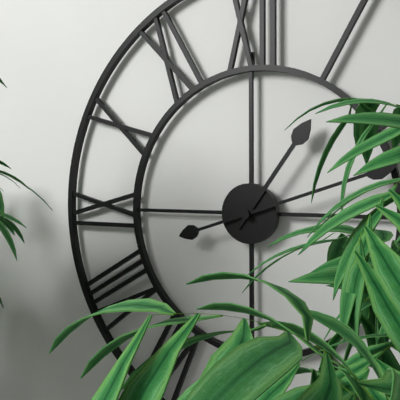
1:12
